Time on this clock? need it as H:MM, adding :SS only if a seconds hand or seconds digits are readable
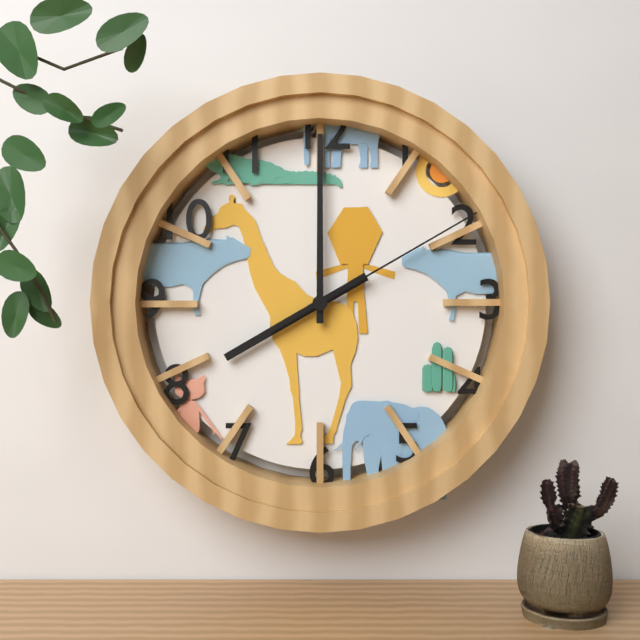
8:00:10
